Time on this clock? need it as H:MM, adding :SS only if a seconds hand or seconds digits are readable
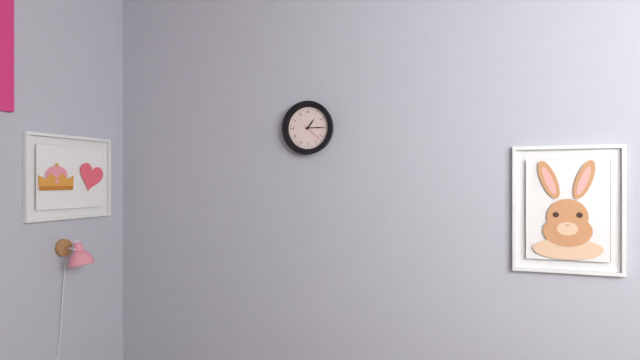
1:15
